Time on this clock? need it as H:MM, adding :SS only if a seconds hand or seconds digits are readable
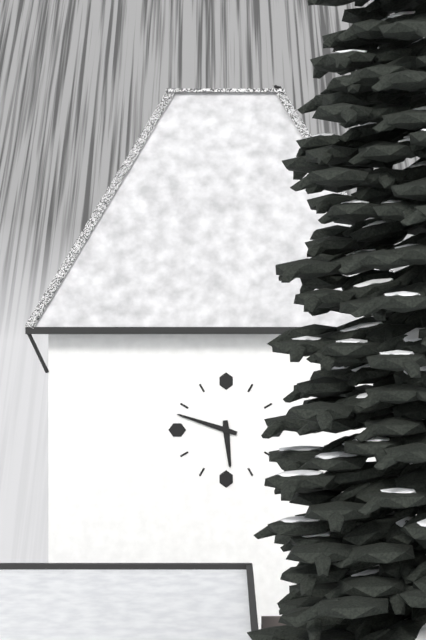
5:48
